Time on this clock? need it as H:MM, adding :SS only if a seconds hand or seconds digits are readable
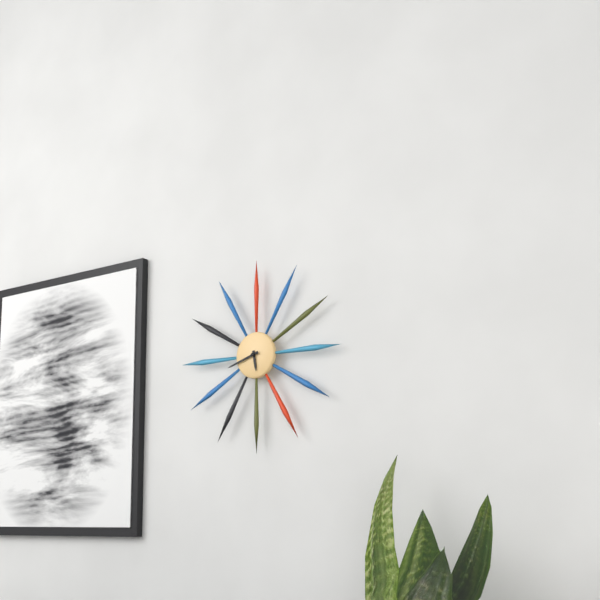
5:42
